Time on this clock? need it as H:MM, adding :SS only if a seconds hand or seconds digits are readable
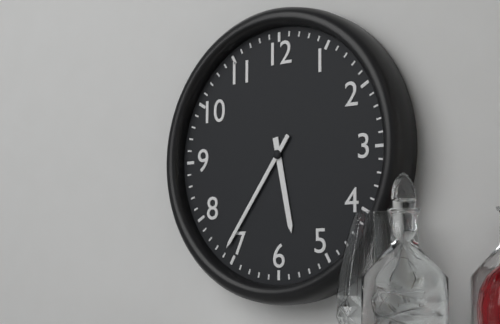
5:36
